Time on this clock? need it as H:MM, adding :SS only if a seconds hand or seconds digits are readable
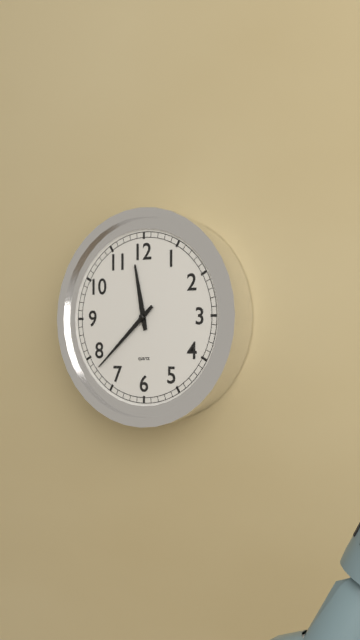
11:38
